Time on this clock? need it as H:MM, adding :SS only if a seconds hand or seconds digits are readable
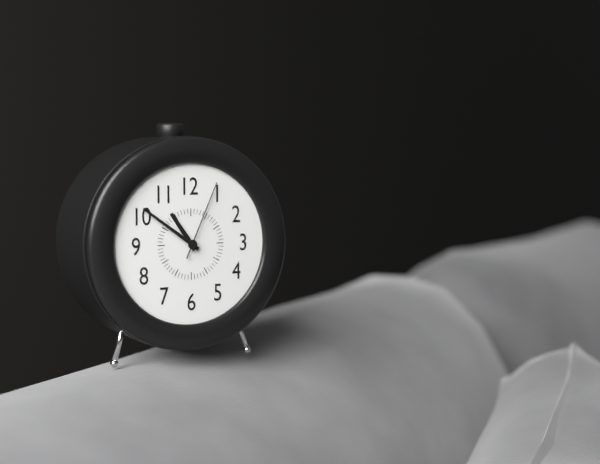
10:51:04
